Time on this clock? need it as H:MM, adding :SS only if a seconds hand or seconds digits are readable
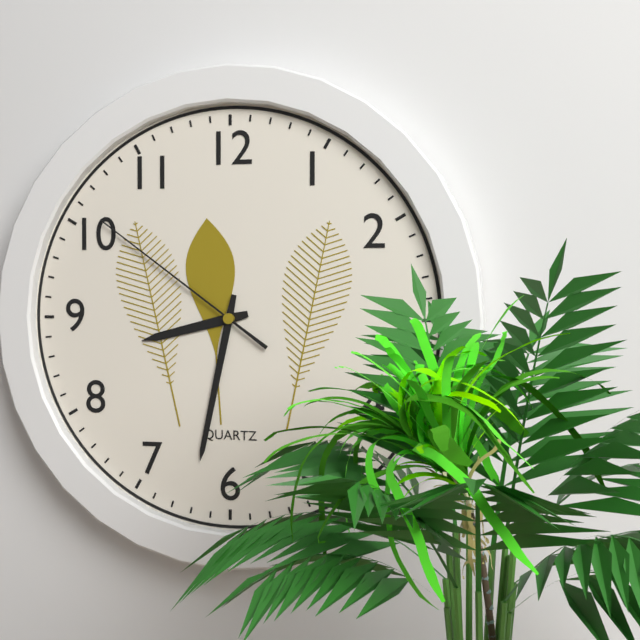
8:32:51
